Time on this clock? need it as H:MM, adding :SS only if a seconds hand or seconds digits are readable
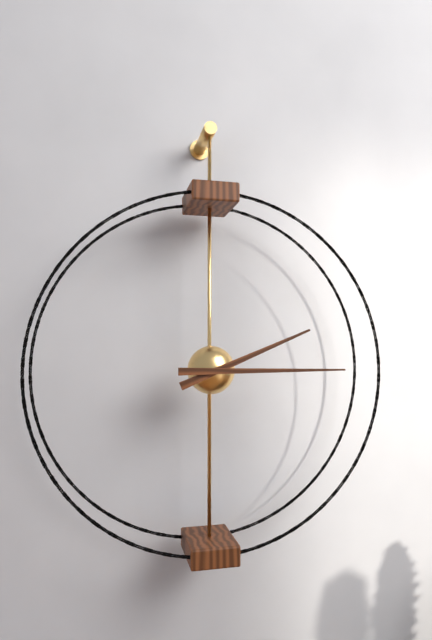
2:15
